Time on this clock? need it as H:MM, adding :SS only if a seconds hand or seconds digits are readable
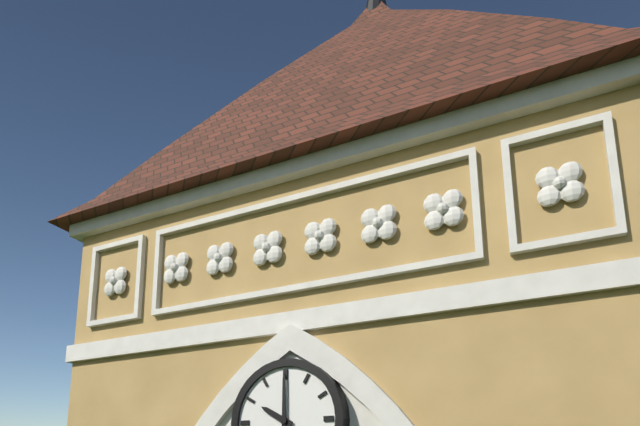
10:00
